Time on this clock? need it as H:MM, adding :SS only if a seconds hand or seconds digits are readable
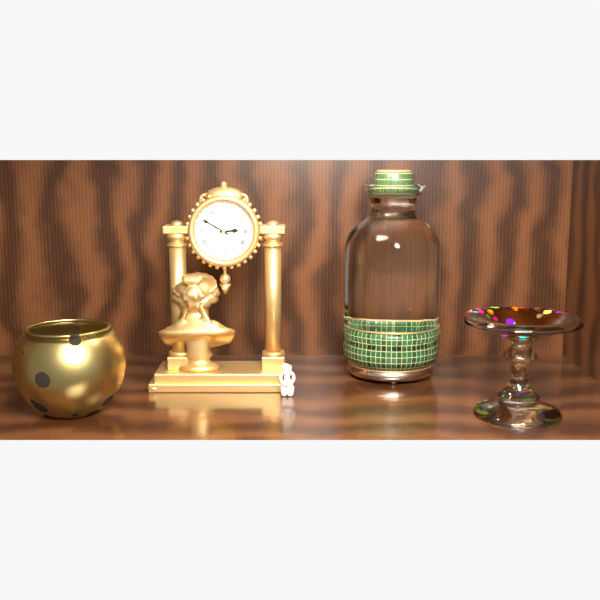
2:50
